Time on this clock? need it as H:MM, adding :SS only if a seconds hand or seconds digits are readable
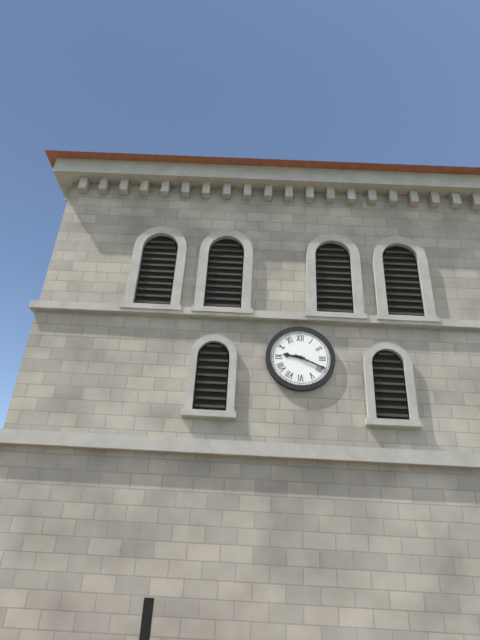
9:19
